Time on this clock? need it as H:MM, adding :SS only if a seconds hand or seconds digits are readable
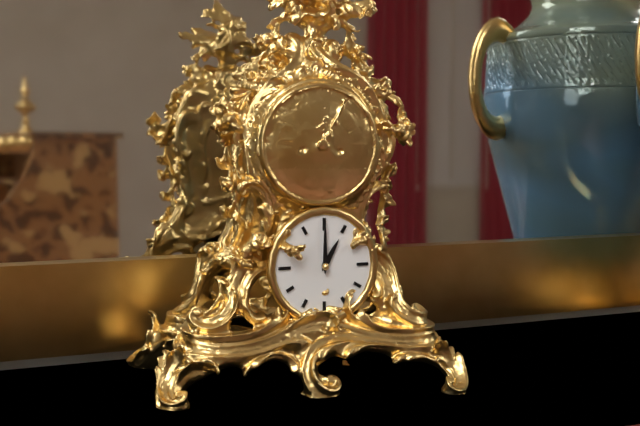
1:00
